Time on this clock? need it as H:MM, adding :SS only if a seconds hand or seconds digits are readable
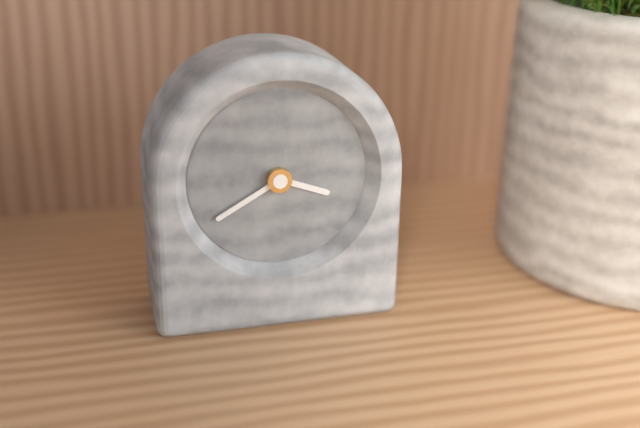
3:40
